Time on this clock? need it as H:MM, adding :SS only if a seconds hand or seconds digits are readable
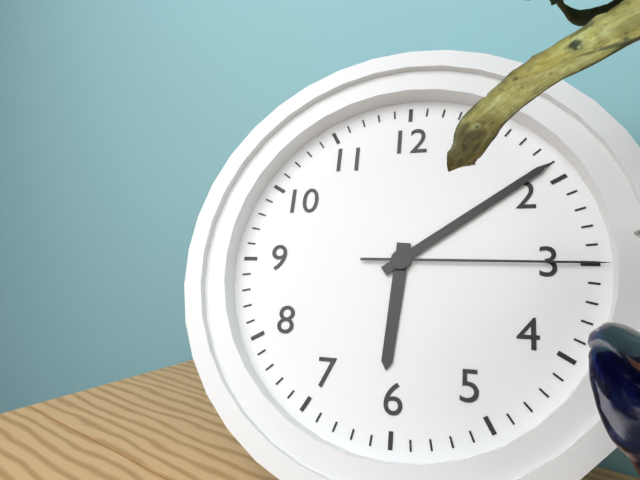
6:09:15
